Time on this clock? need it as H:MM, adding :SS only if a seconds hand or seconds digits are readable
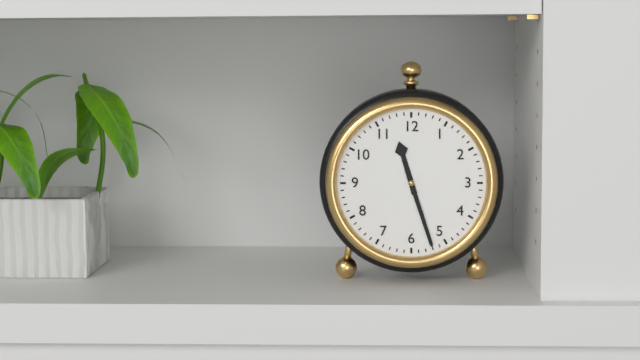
11:27
